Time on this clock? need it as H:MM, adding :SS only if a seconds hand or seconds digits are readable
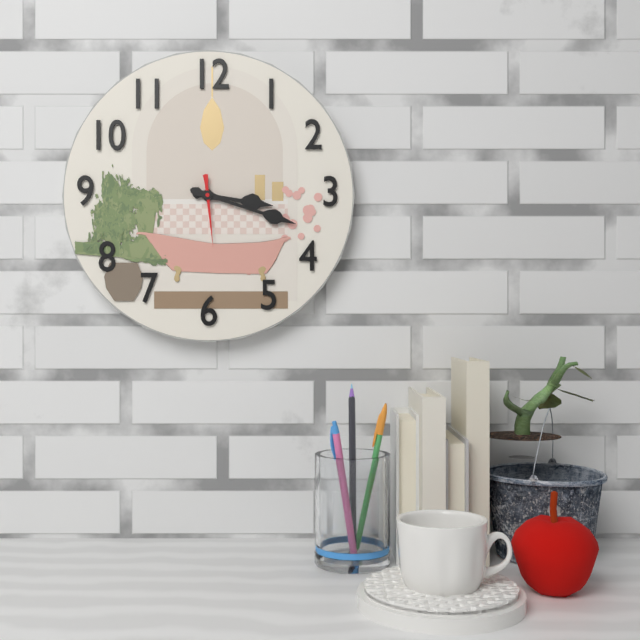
3:18:29
